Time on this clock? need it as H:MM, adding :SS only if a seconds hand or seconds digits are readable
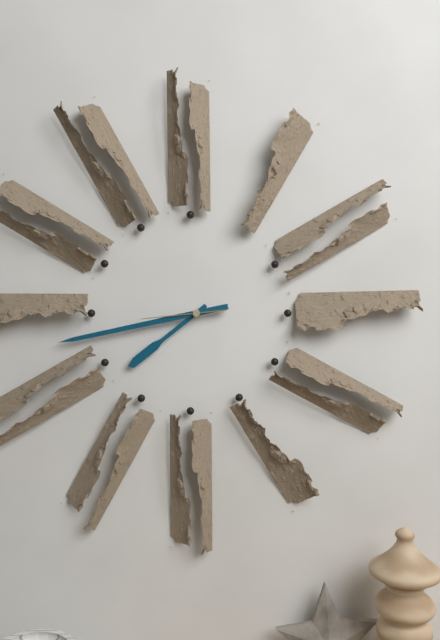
7:43:44
